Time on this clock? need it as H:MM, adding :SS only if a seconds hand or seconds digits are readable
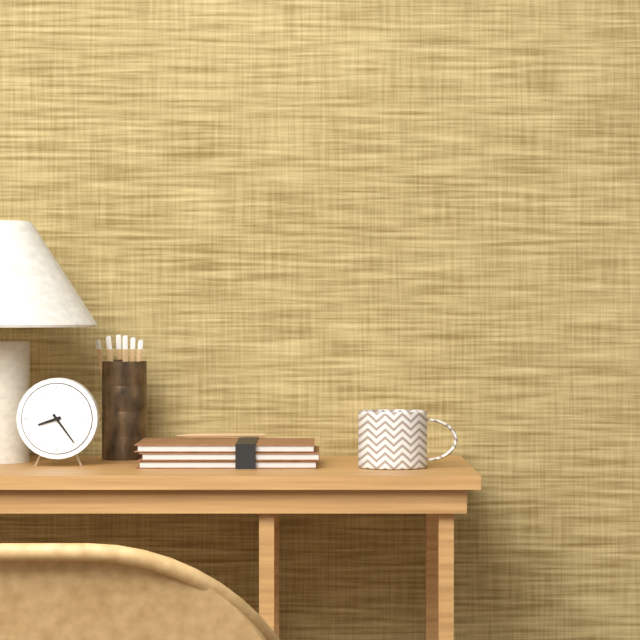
8:24
